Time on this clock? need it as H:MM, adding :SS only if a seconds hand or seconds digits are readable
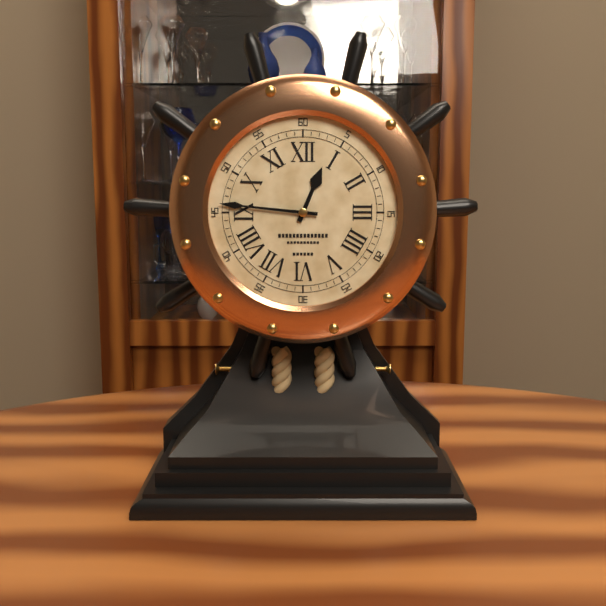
12:46
